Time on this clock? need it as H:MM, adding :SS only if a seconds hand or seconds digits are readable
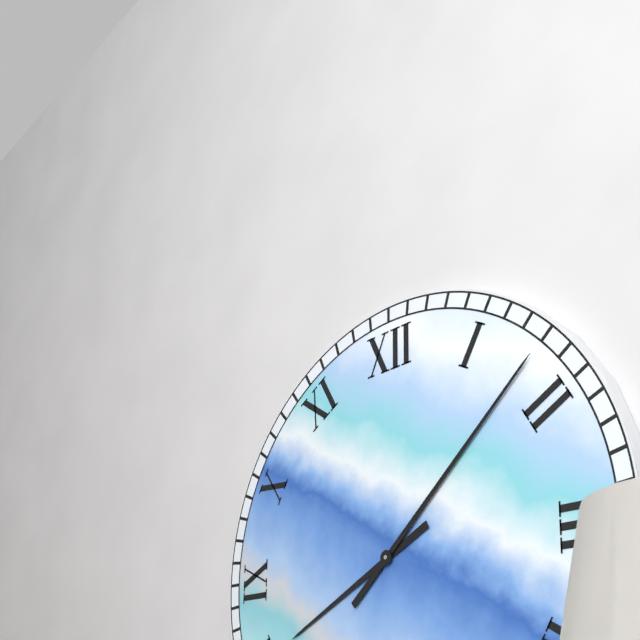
8:08
